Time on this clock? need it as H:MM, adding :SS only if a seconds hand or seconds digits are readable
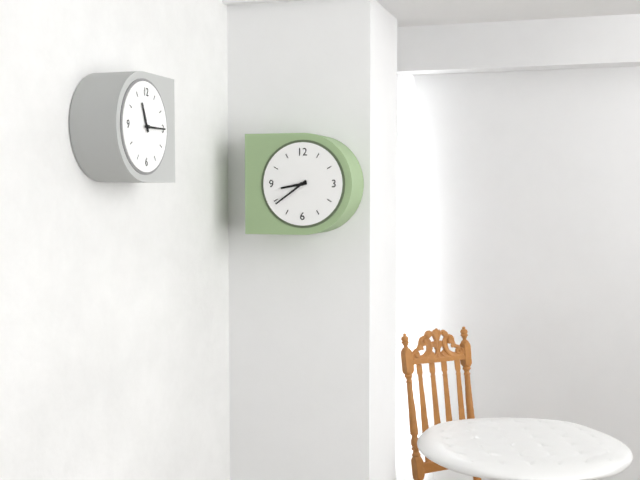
8:39
